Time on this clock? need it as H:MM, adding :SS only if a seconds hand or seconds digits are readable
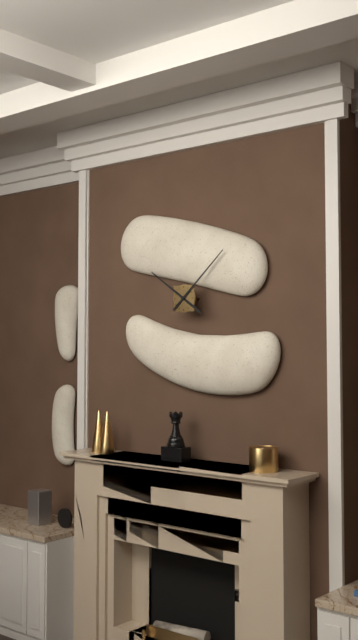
10:08
